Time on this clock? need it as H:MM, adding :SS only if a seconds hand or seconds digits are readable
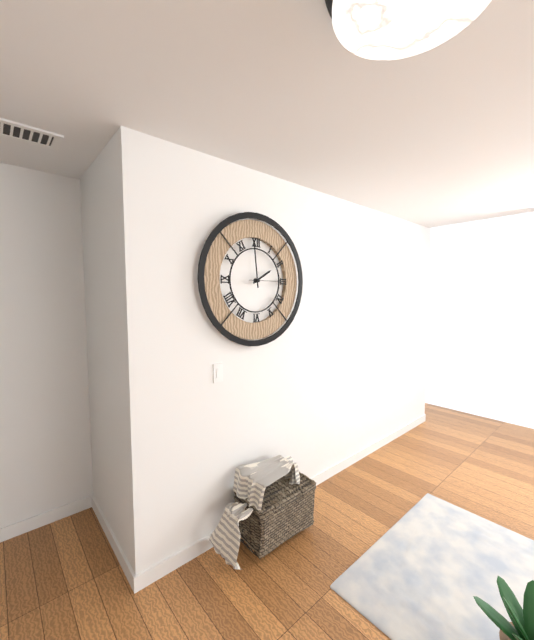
1:59
